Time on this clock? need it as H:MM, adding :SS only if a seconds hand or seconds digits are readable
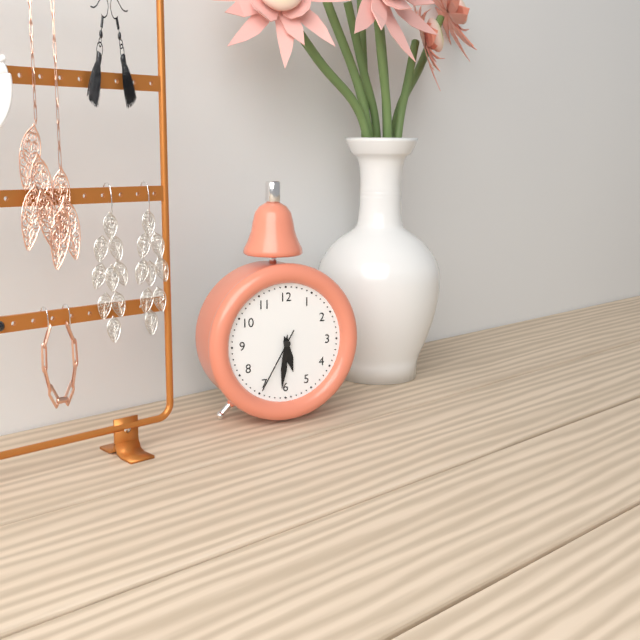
5:31:35
